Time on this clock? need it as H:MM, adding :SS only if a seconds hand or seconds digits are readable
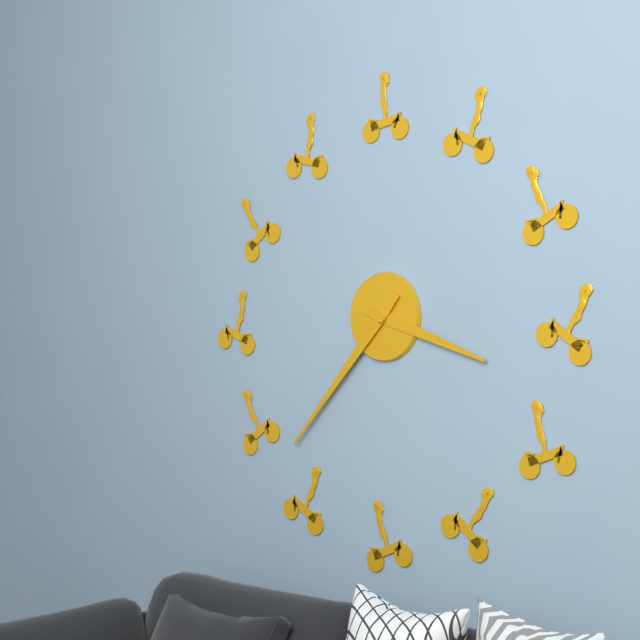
3:37
